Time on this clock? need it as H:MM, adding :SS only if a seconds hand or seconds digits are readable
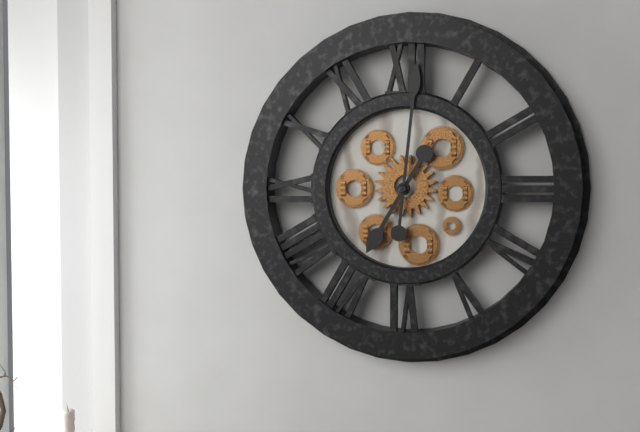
7:01
